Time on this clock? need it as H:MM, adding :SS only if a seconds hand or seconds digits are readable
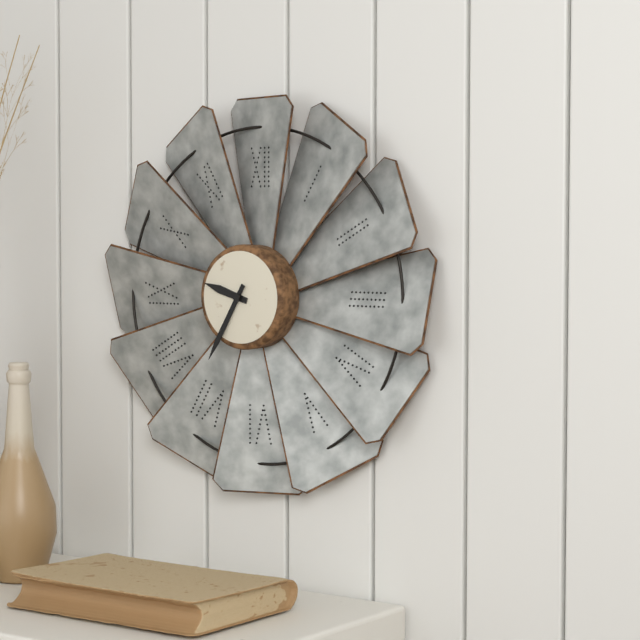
9:35
